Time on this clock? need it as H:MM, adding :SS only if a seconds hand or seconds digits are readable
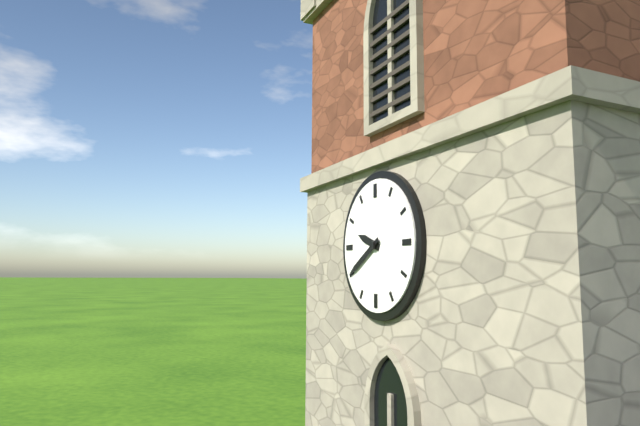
9:40
